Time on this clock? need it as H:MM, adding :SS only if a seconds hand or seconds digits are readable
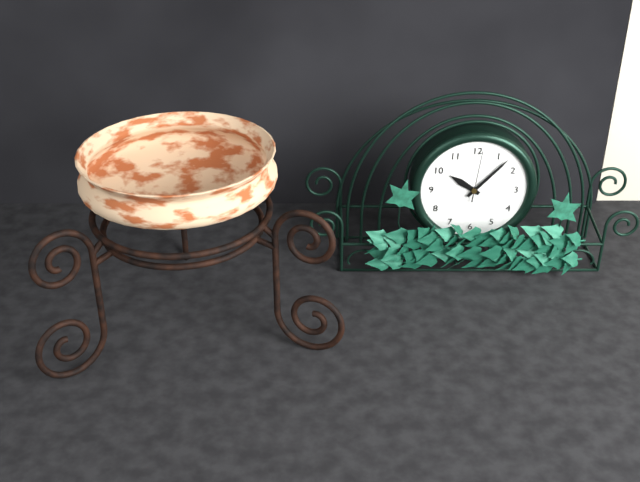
10:07:01
